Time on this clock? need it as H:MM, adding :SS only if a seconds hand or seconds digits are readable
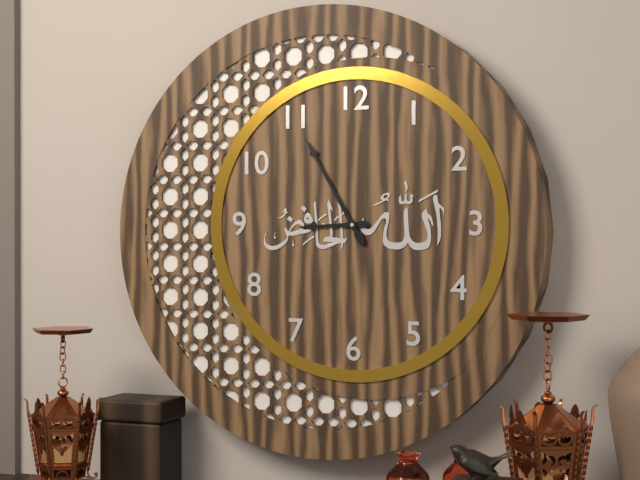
8:55
